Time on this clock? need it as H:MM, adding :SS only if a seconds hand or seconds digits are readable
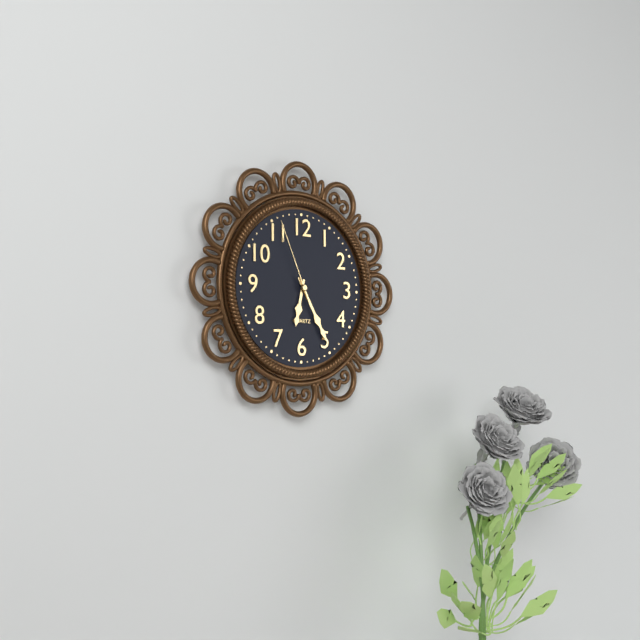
6:25:56
